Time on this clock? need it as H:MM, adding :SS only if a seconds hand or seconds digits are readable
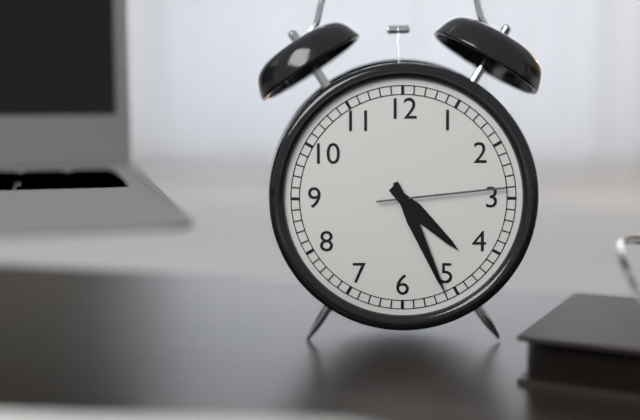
4:26:14
